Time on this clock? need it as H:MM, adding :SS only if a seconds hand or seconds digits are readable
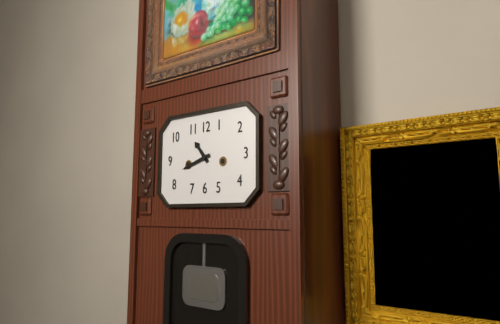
10:42
